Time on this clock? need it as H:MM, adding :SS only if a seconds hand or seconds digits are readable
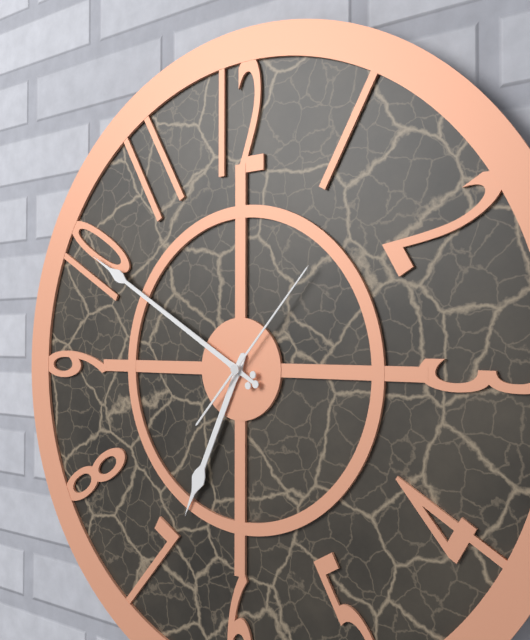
6:50:07
